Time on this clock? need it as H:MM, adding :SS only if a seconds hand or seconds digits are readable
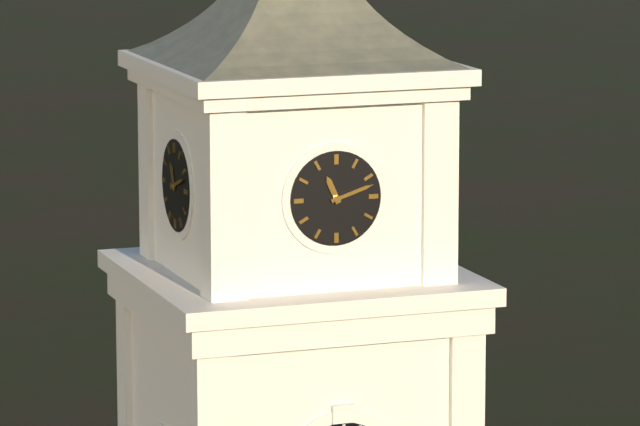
11:12
